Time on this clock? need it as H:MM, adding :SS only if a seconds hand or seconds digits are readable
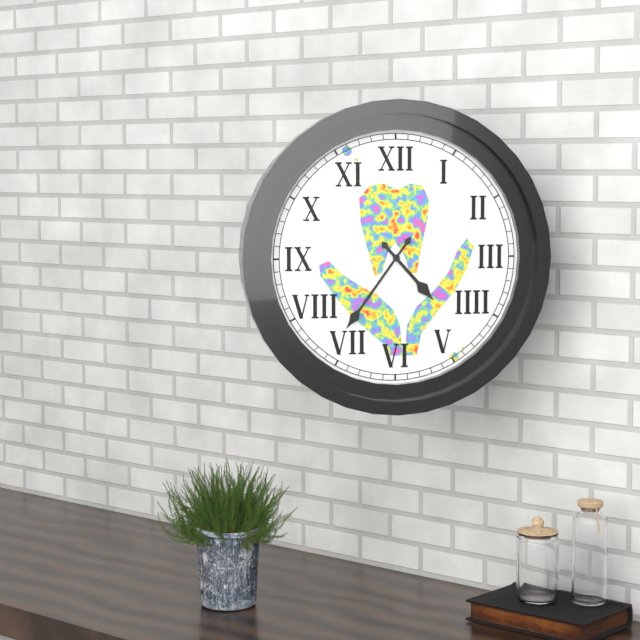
4:36
